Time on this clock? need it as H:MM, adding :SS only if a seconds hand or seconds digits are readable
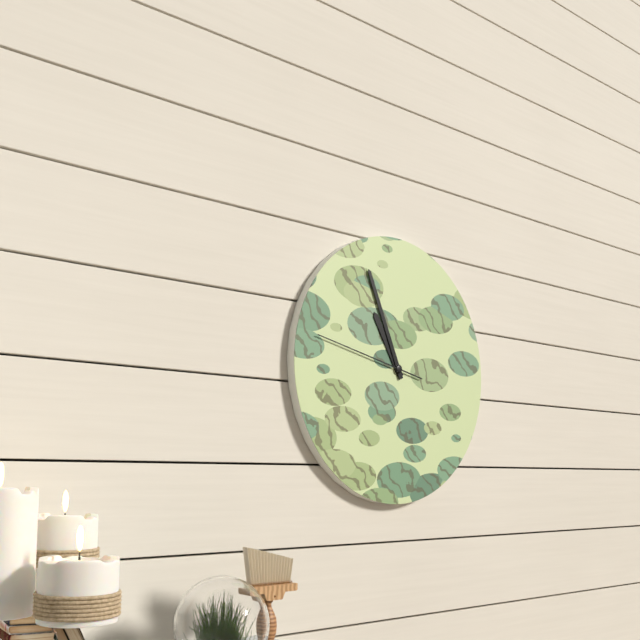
10:56:47
